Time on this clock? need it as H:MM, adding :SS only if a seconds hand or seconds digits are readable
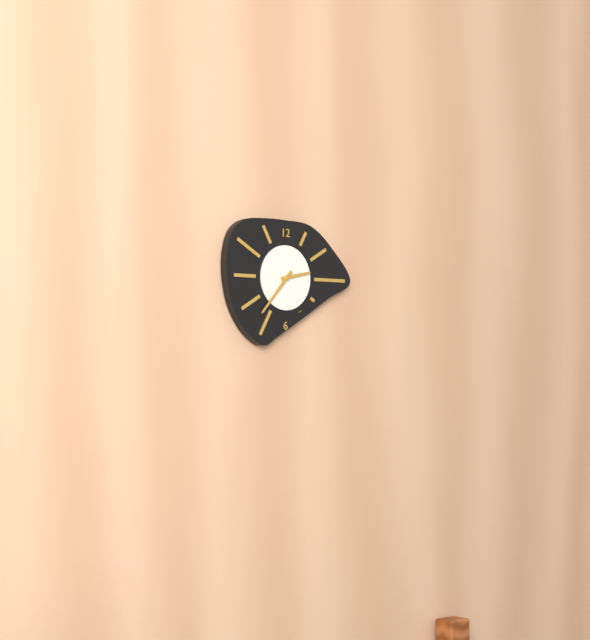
2:37
